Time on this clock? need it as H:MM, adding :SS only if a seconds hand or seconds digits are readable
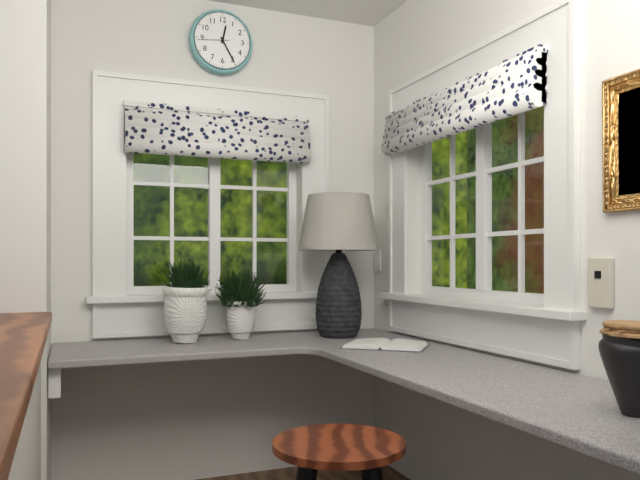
12:25
